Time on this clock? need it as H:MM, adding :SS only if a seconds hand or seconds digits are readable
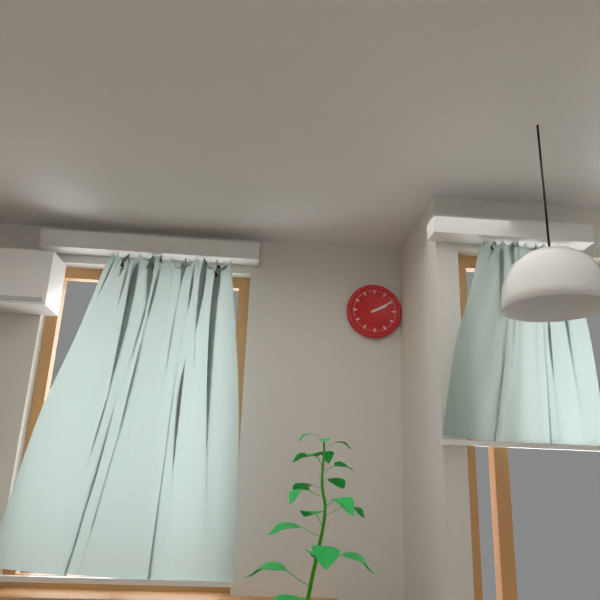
2:10
